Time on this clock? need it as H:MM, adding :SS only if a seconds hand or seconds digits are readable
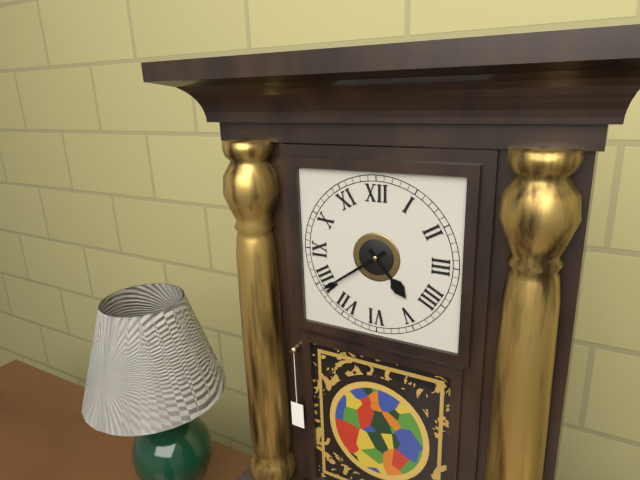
4:39
